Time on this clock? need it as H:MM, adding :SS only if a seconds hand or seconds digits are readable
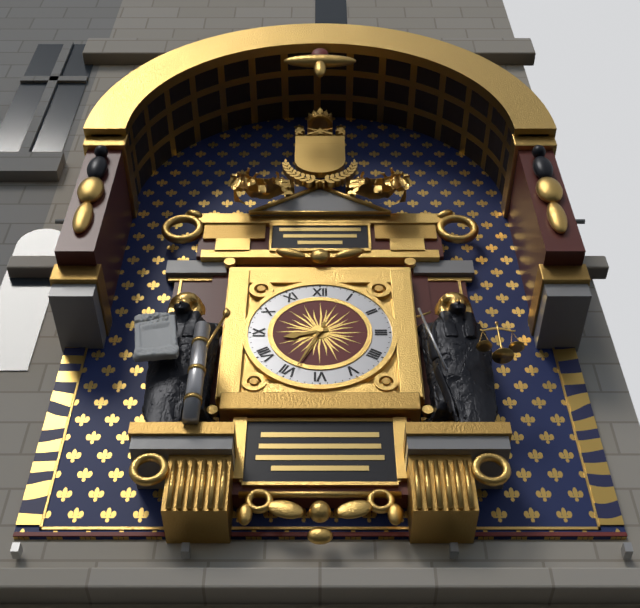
8:34
